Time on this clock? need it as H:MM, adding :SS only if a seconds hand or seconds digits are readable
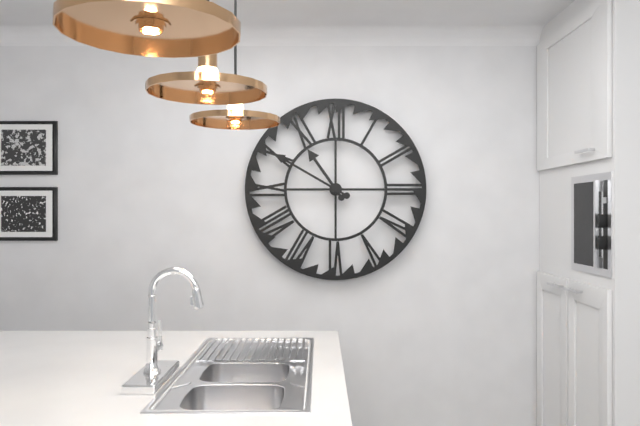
10:50
